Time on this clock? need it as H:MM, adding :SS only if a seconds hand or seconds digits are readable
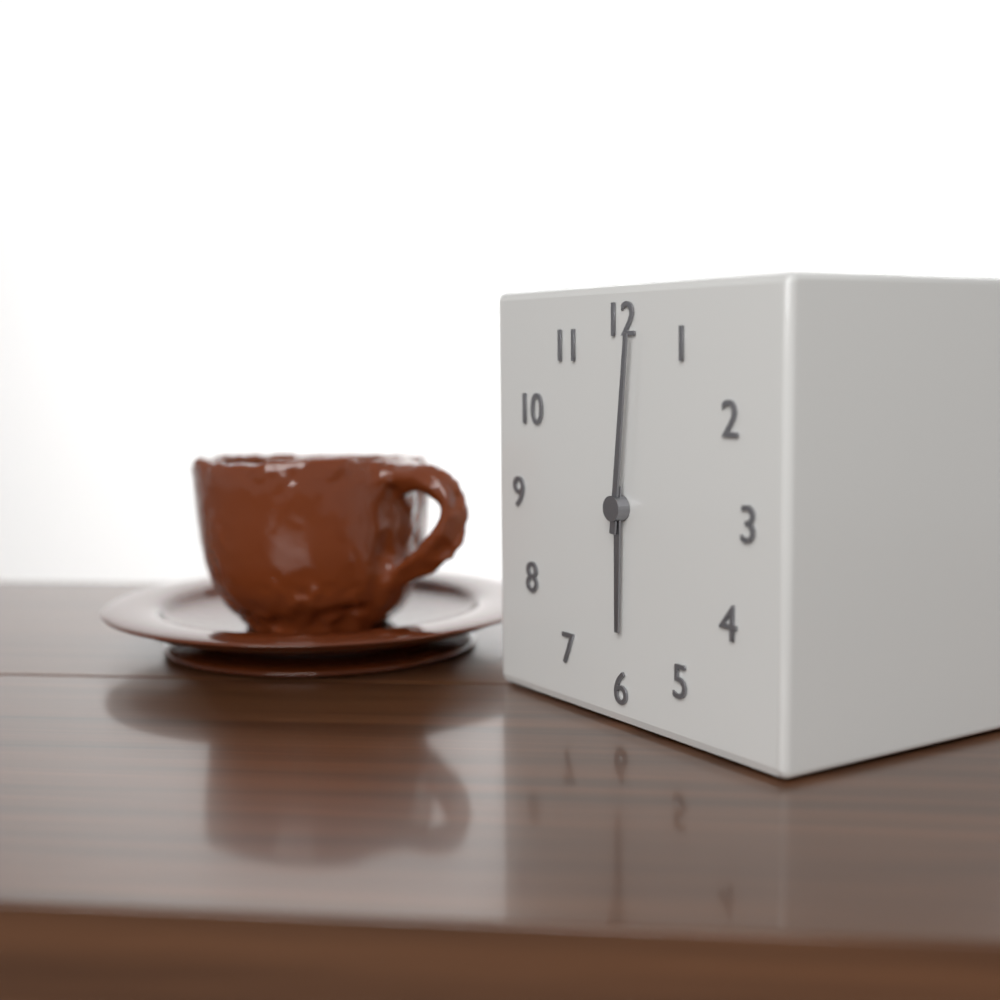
6:01
